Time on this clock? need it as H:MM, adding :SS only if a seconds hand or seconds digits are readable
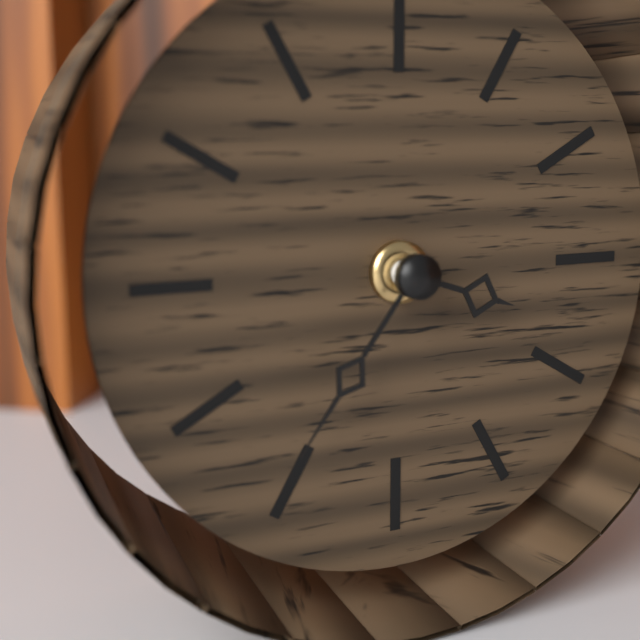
3:36
